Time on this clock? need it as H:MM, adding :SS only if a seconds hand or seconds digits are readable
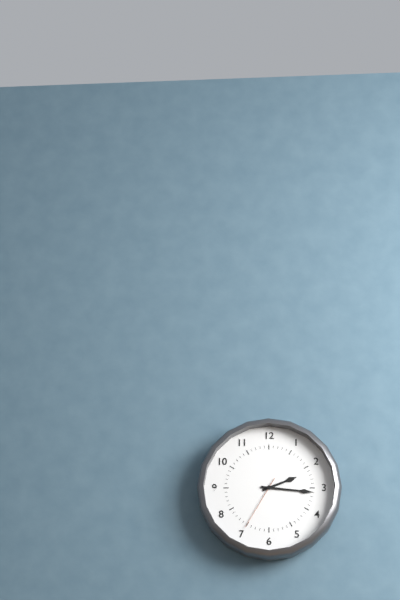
2:16:35
